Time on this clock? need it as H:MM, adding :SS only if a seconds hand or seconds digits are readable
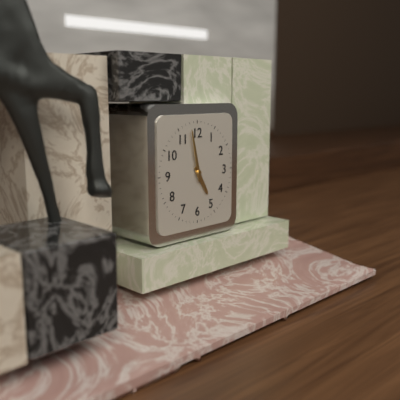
4:58
